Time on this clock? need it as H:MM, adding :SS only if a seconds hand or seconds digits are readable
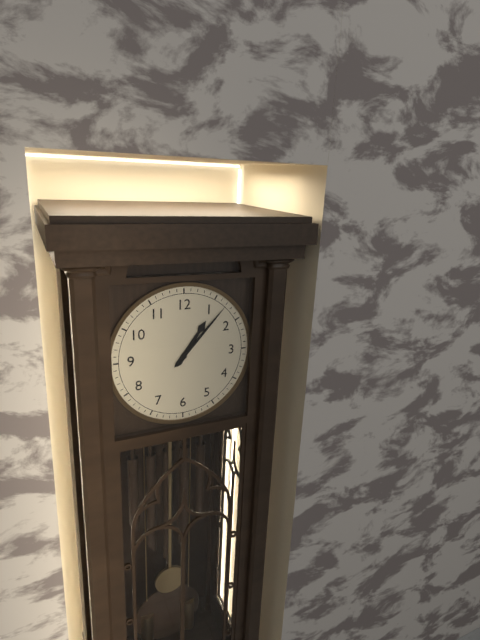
1:07
